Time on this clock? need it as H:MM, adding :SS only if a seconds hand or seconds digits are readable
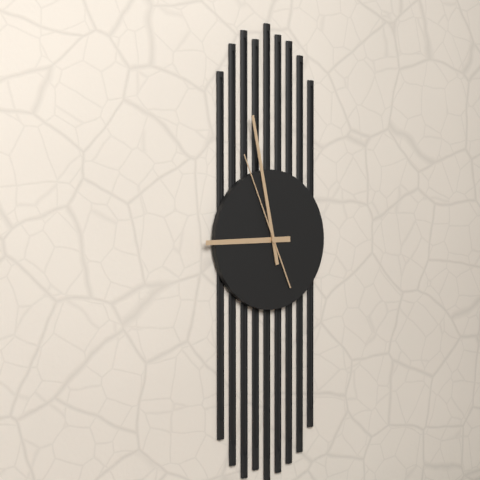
8:58:56
